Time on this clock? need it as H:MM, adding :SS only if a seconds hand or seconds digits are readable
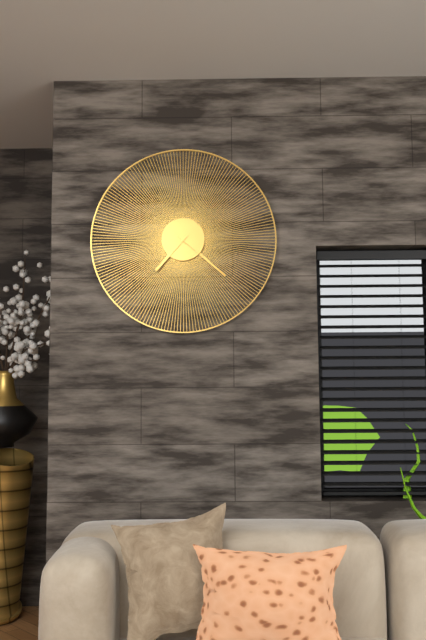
7:22
